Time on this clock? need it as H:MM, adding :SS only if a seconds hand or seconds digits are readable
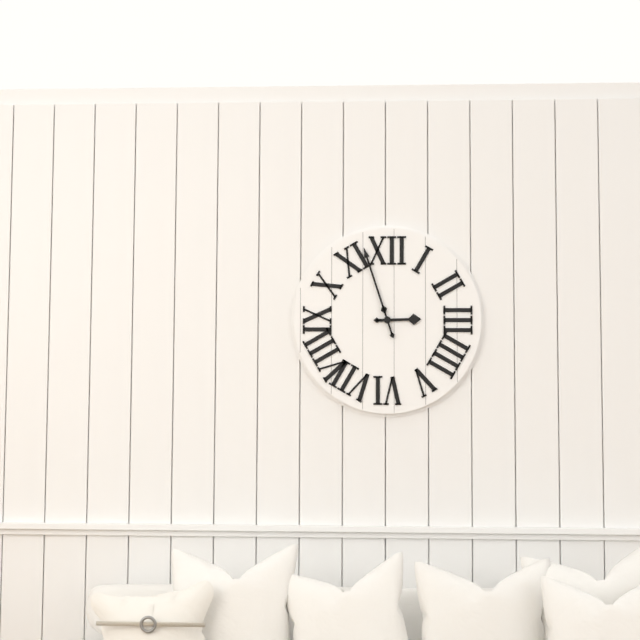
2:57
